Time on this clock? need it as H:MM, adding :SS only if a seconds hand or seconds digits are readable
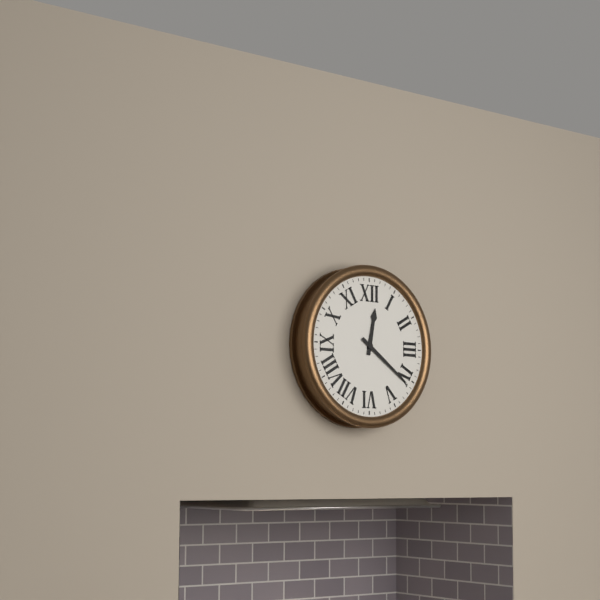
12:21
